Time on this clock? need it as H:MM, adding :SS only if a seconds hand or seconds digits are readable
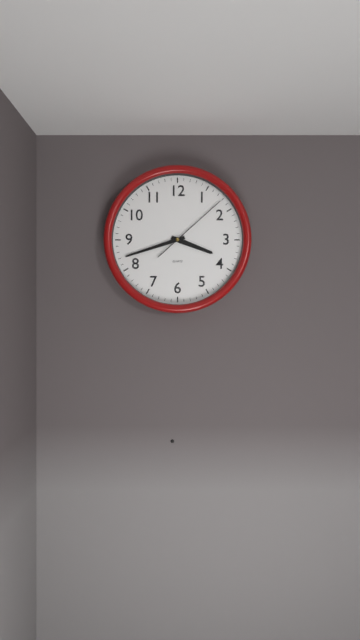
3:42:08
